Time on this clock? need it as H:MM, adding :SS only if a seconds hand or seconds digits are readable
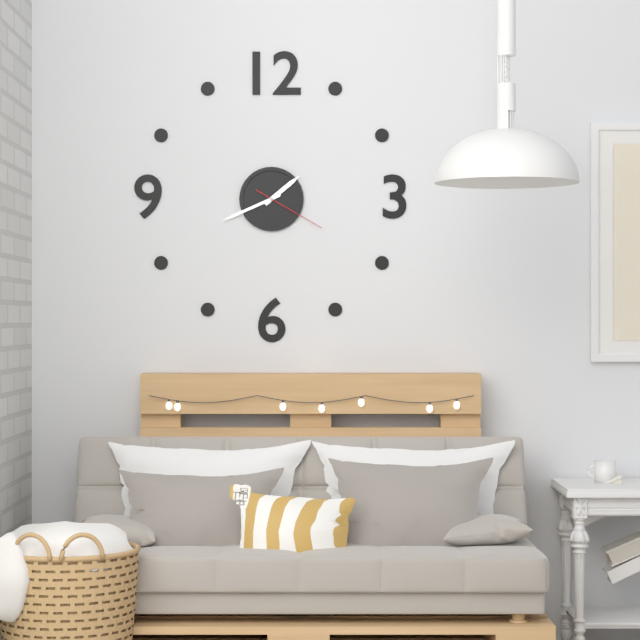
1:41:20
